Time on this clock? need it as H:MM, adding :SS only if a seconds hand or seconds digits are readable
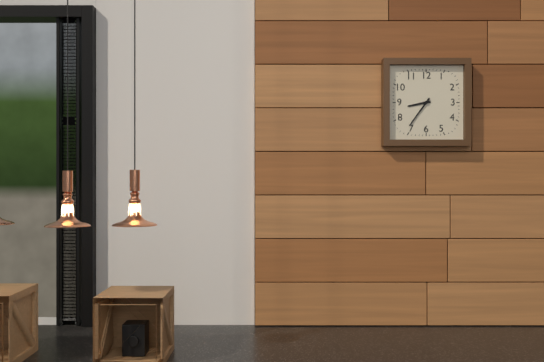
8:36
